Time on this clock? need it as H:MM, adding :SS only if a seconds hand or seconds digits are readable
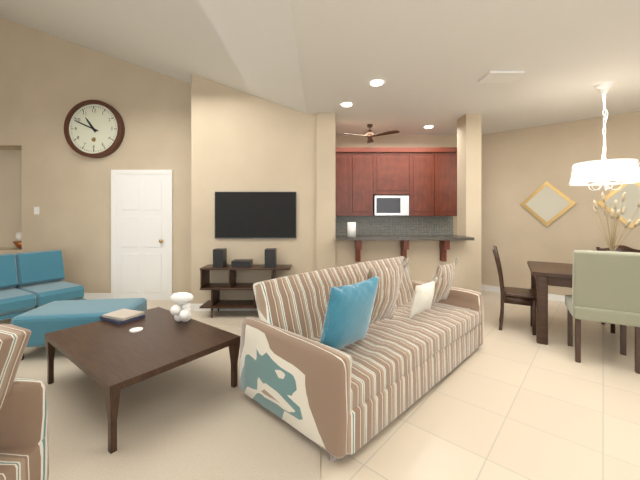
10:49
